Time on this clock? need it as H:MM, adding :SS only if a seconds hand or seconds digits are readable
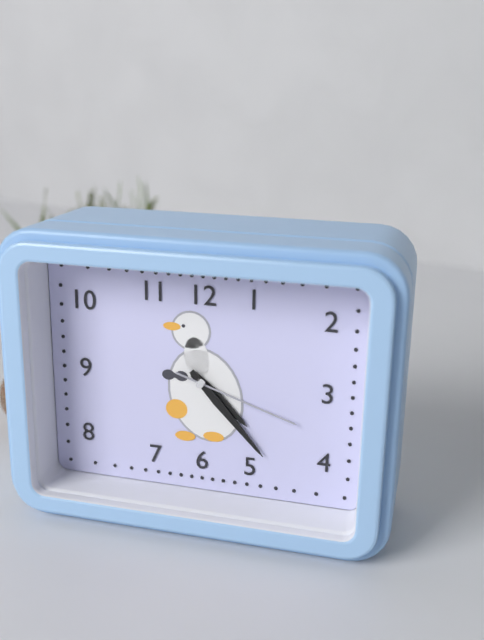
4:23:18
